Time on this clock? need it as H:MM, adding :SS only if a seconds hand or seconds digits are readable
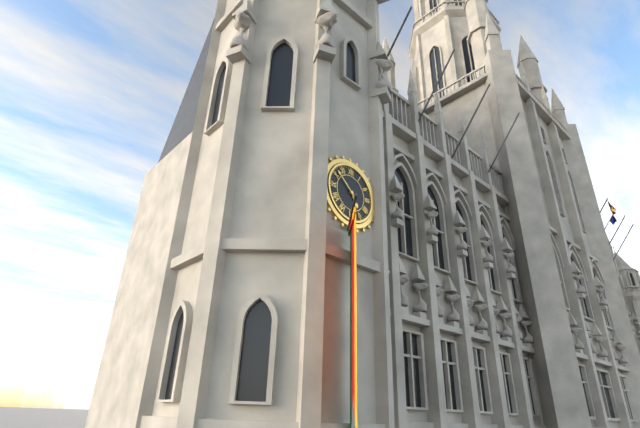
4:52
